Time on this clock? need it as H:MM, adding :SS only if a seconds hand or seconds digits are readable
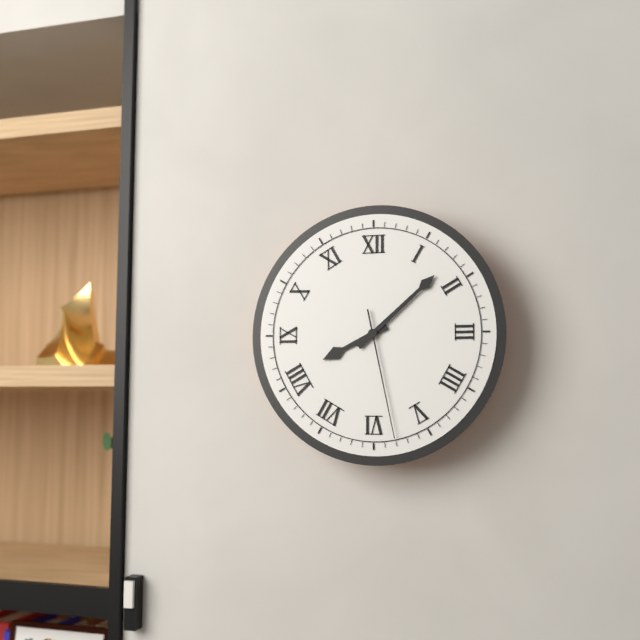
8:08:28
